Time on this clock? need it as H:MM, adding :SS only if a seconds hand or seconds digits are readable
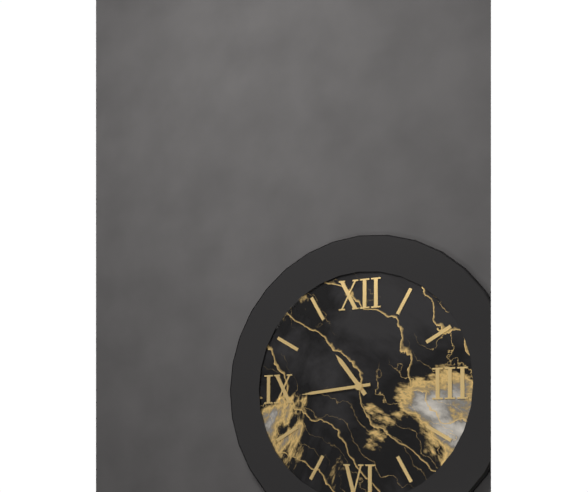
10:44
